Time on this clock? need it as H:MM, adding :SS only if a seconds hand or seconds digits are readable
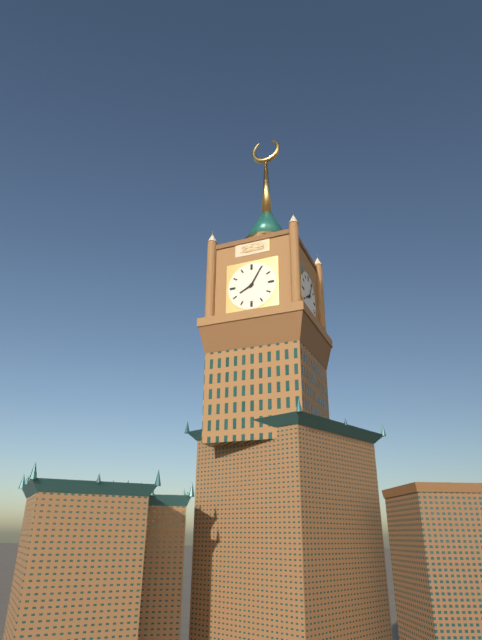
8:05
